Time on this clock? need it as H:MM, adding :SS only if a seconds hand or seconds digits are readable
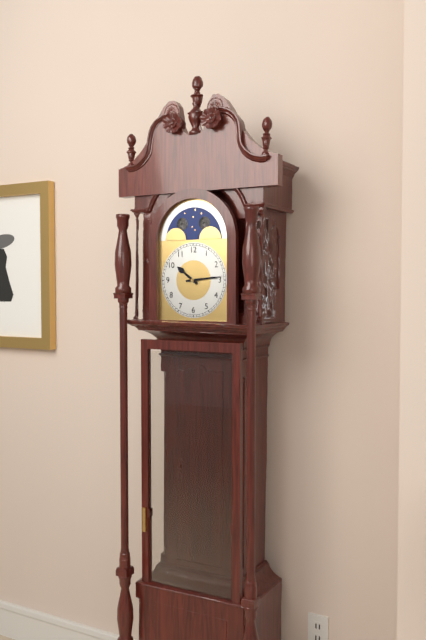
10:14
